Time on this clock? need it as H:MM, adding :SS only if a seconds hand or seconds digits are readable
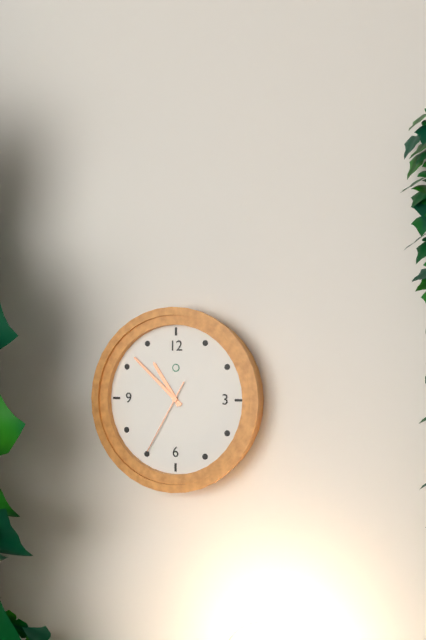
10:52:35
